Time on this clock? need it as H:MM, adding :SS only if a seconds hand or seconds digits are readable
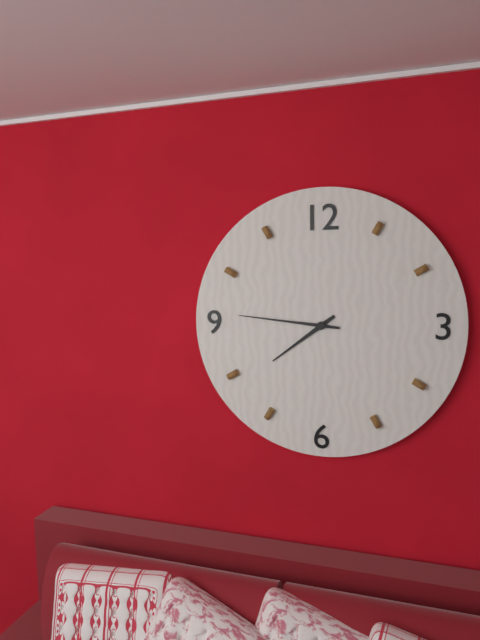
7:46
